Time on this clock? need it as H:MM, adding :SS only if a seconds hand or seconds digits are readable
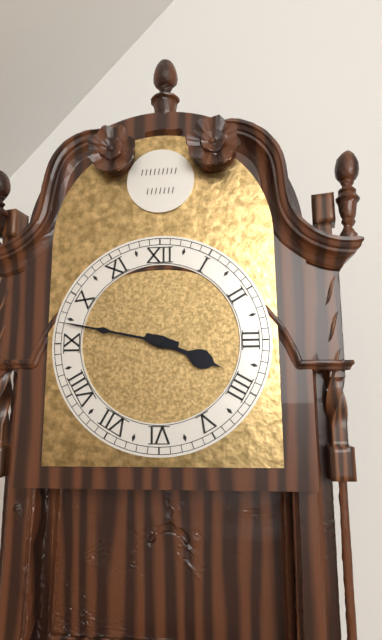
3:47
